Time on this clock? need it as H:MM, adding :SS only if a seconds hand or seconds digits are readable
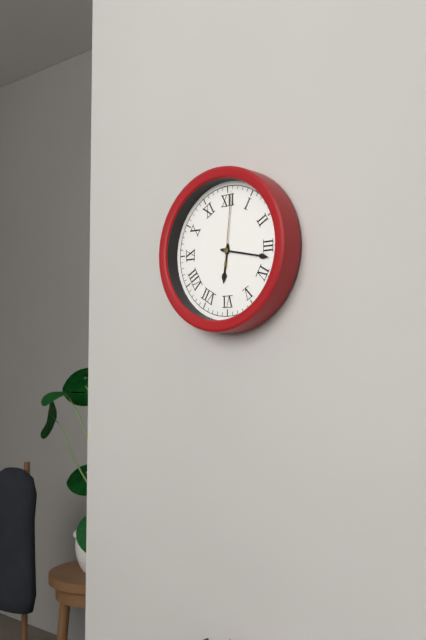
6:17:01
